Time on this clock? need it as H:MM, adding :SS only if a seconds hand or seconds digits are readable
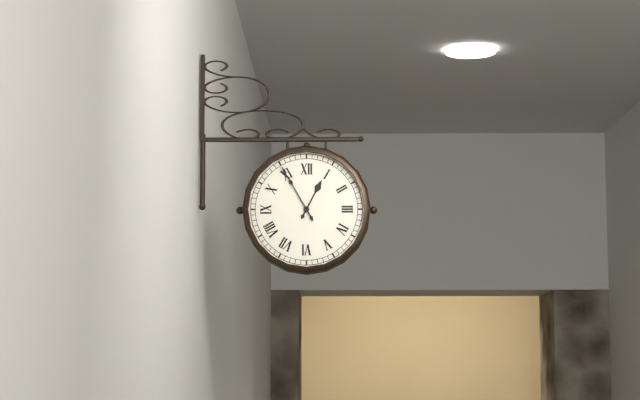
12:55
